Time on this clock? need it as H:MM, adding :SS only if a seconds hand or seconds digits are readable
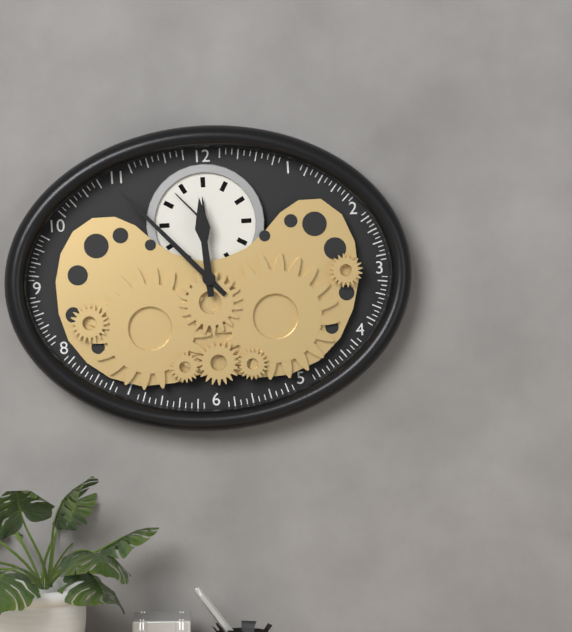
11:53
